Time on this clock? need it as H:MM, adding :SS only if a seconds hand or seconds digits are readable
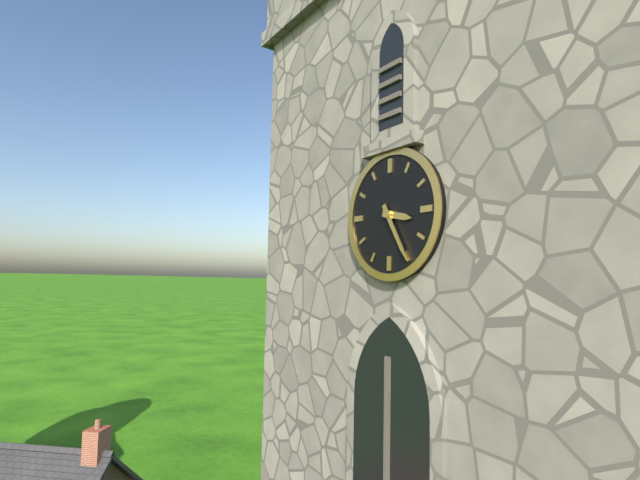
3:25
